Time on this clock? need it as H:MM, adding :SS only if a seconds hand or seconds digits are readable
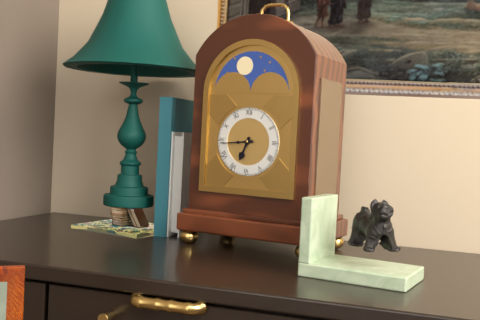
6:44
